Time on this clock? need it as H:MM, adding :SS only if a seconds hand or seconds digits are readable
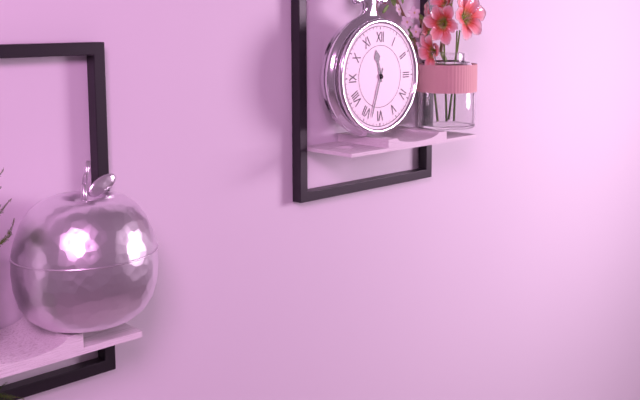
11:33
